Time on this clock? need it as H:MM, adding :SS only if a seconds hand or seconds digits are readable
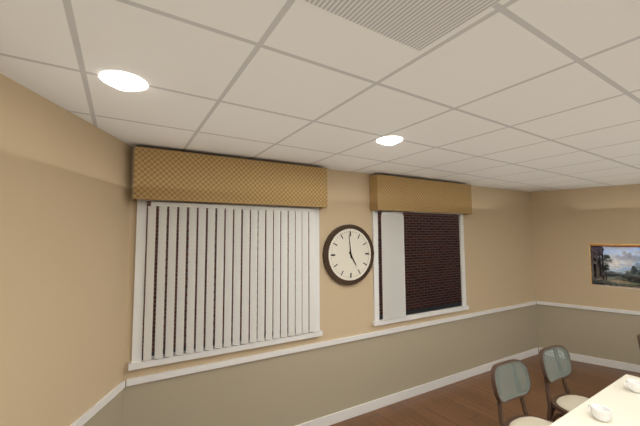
4:59
